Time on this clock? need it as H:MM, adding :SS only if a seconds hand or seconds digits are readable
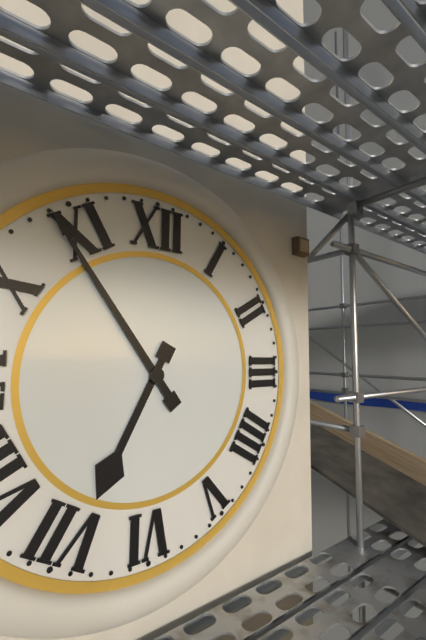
6:54
